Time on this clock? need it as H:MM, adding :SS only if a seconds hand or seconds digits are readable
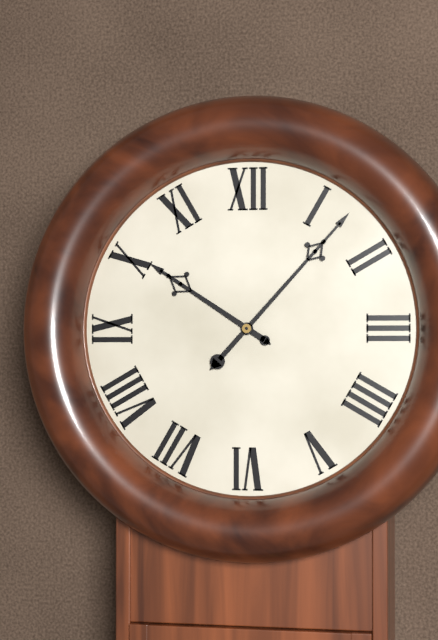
10:07
